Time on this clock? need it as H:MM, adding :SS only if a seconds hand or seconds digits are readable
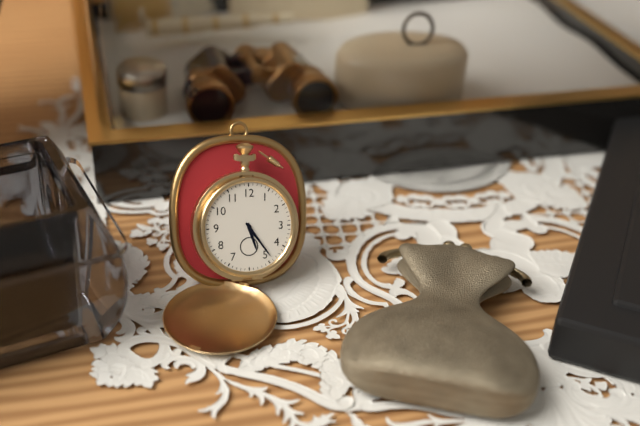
5:24
